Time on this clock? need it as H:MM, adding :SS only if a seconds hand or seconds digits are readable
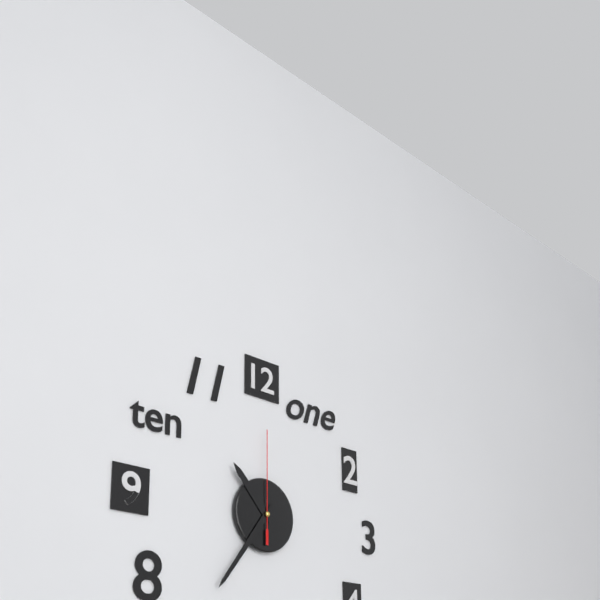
10:36:00
